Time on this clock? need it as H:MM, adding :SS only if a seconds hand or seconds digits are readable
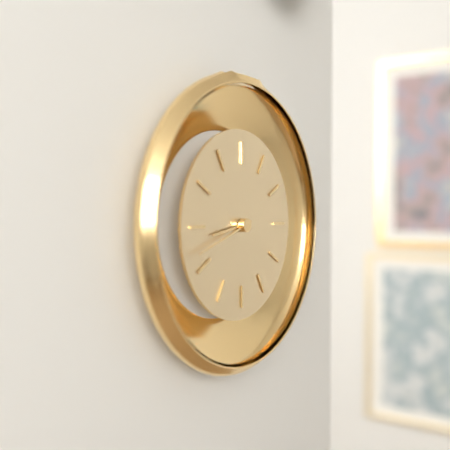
8:42
